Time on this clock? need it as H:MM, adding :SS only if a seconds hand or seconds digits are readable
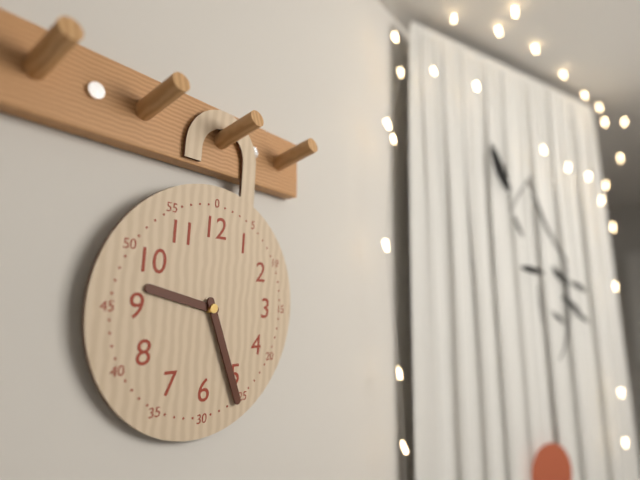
9:26
